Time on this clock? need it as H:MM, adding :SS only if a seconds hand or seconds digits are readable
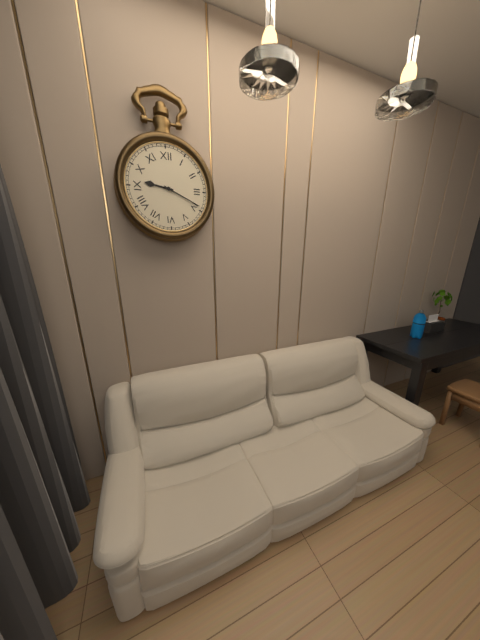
9:19
